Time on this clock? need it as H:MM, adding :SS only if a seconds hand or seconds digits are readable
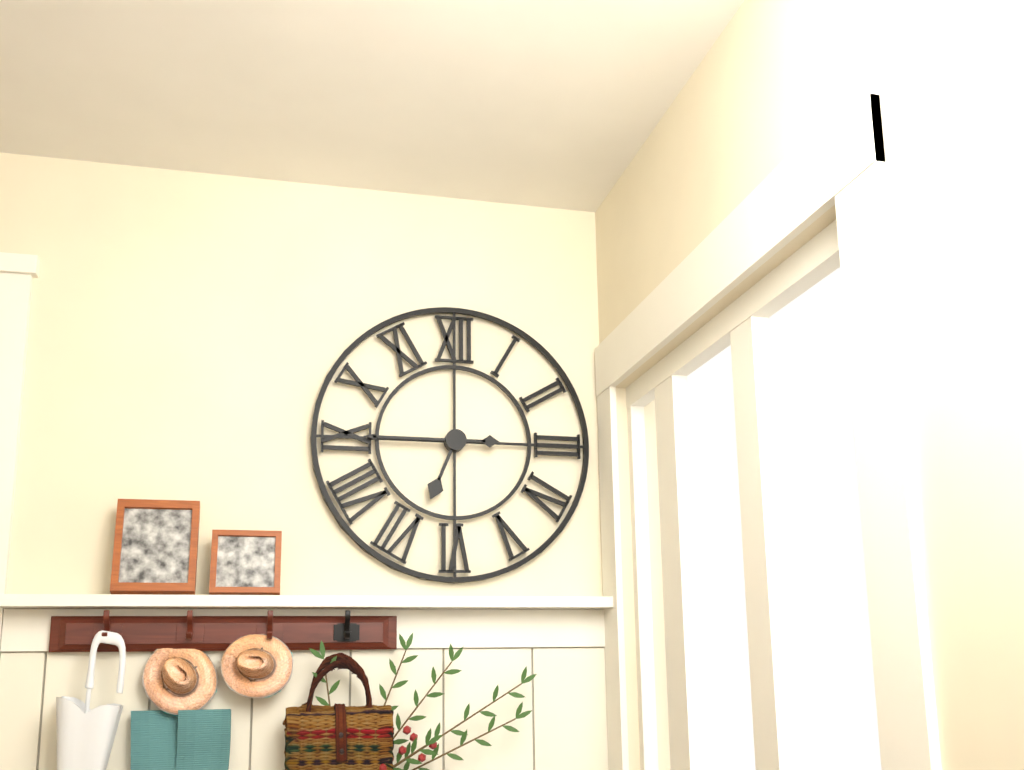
6:45
